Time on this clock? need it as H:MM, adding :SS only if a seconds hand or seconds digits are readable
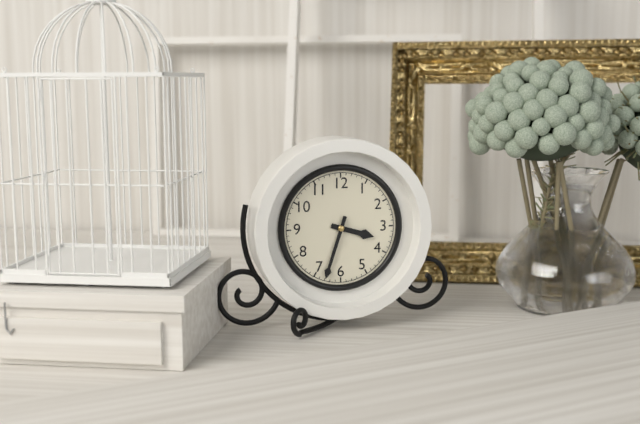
3:33
